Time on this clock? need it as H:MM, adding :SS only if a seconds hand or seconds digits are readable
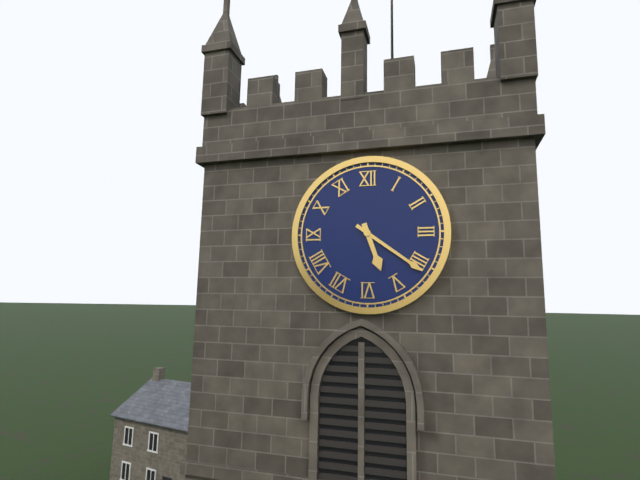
5:21
